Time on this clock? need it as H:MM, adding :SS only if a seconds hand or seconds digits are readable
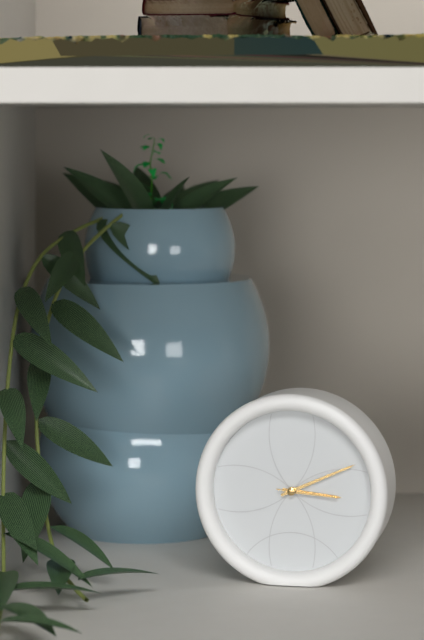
3:11:16
